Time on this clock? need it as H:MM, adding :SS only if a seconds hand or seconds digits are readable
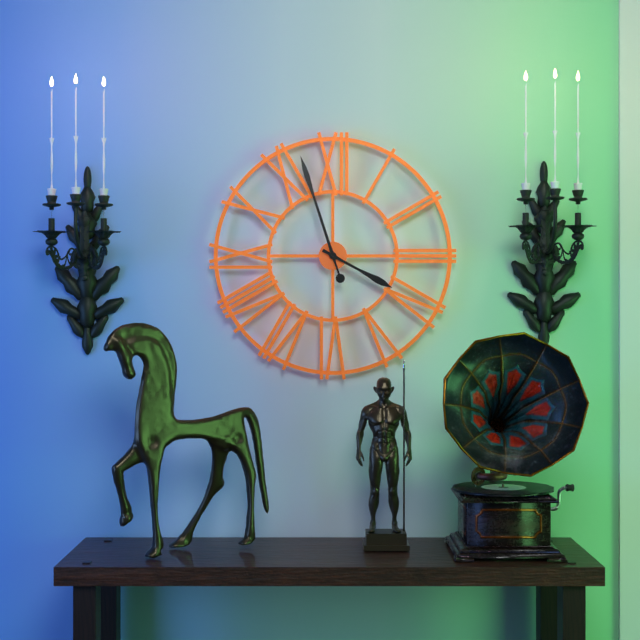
3:57
